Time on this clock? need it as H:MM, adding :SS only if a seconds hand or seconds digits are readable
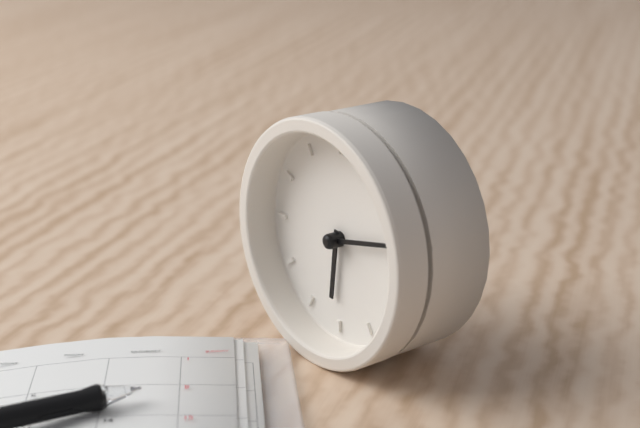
6:13
